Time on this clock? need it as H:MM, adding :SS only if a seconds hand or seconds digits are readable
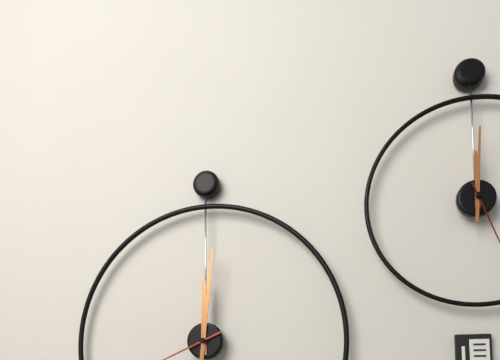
12:01
